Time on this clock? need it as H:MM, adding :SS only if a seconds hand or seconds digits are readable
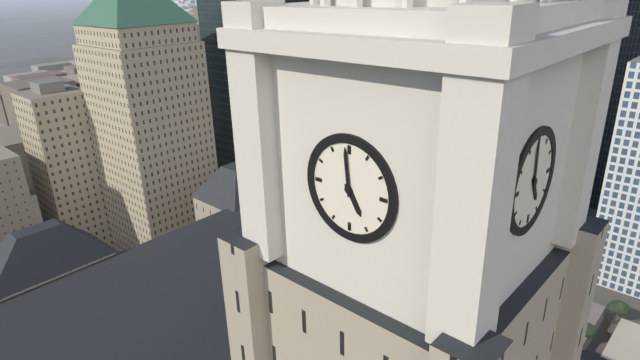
4:59
